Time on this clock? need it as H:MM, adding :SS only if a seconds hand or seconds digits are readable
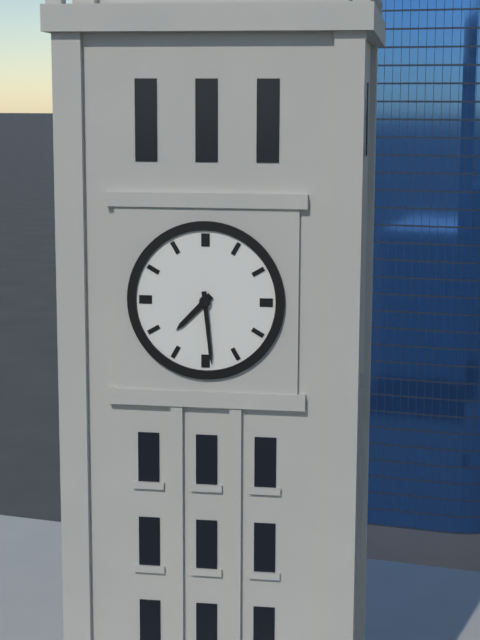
7:29
